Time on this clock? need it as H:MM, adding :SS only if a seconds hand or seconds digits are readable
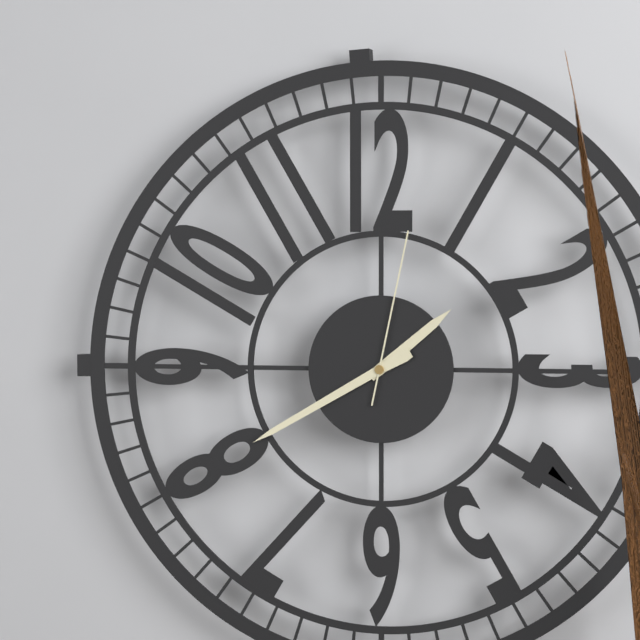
1:40:02
